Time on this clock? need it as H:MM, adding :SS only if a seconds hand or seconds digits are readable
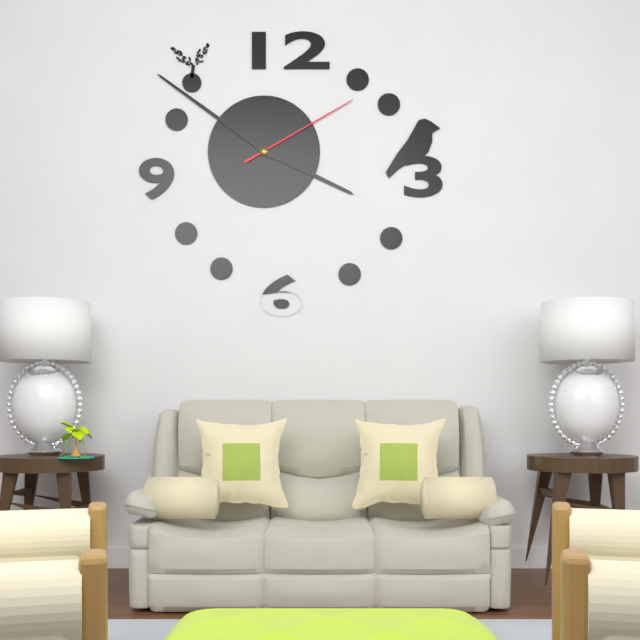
3:51:10
